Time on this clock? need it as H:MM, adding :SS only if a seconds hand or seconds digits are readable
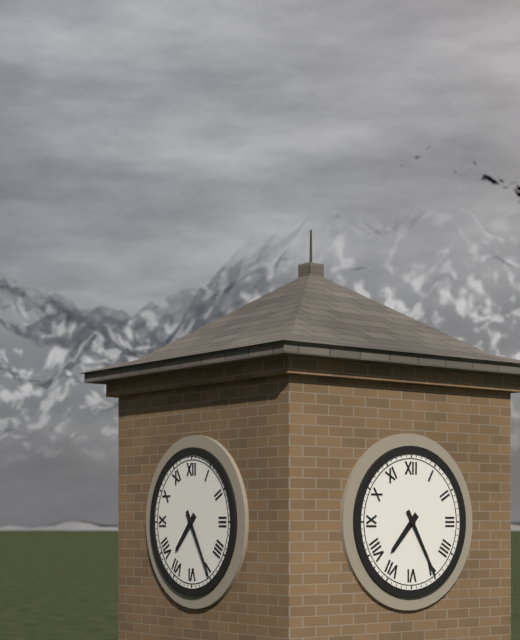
7:25
